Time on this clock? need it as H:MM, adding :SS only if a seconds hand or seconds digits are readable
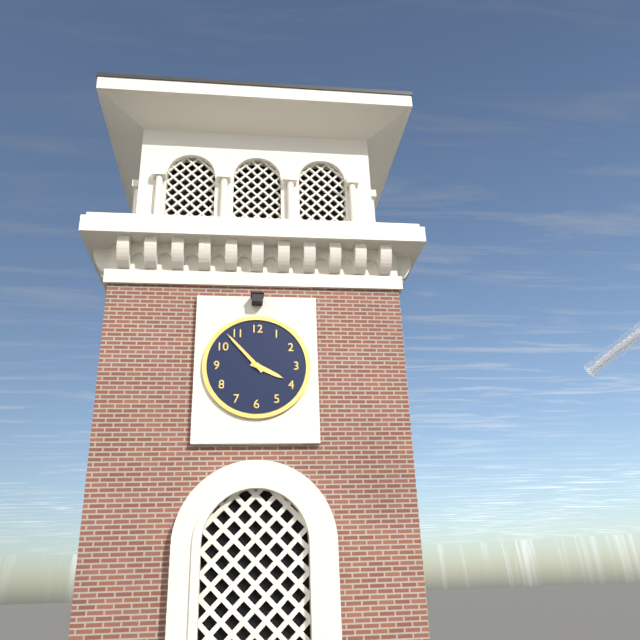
3:53
